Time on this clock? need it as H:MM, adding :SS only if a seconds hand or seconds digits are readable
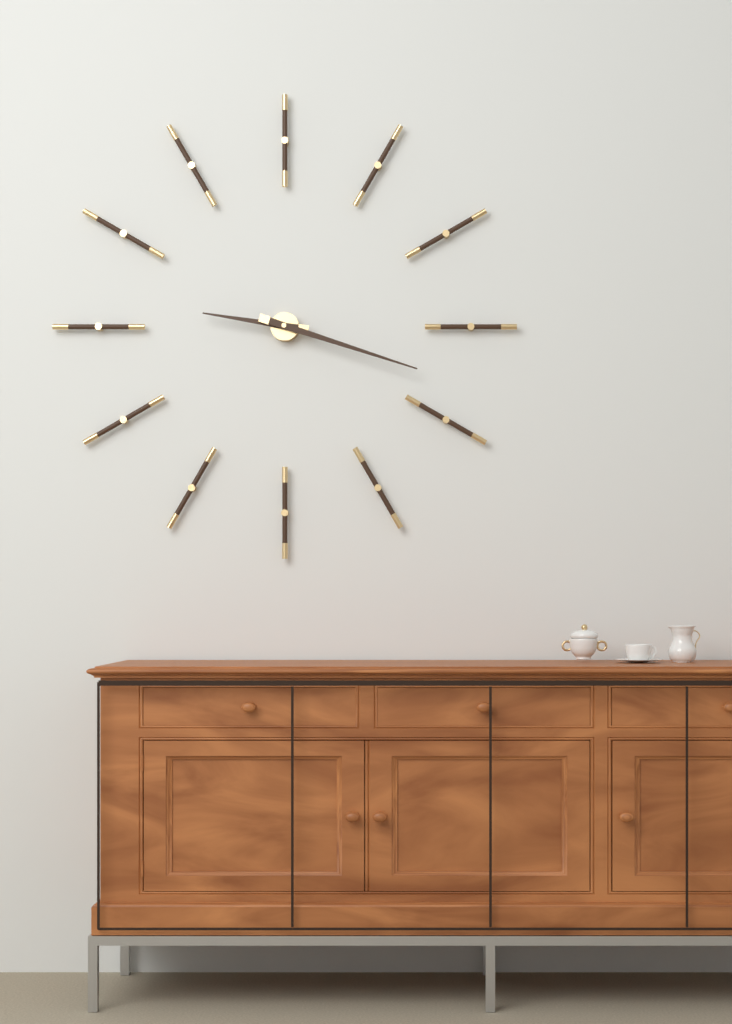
9:18
